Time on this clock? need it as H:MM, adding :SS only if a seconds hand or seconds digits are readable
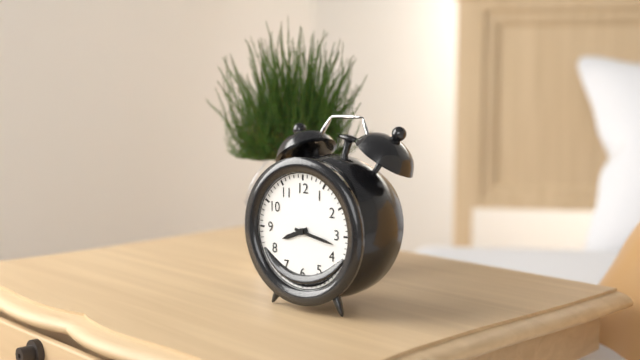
8:17
